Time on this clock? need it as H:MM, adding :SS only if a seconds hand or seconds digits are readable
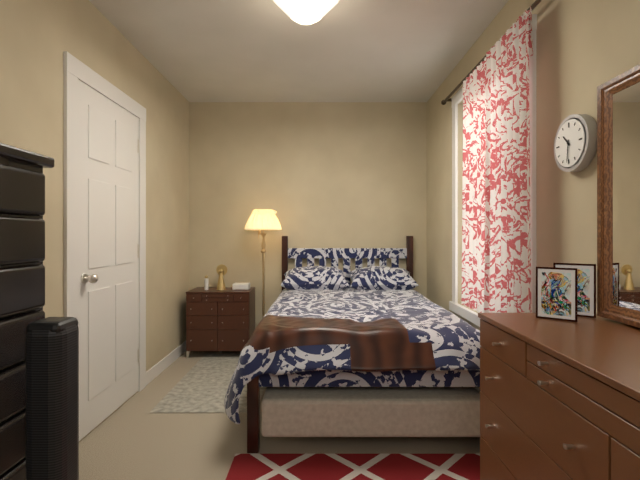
10:31
